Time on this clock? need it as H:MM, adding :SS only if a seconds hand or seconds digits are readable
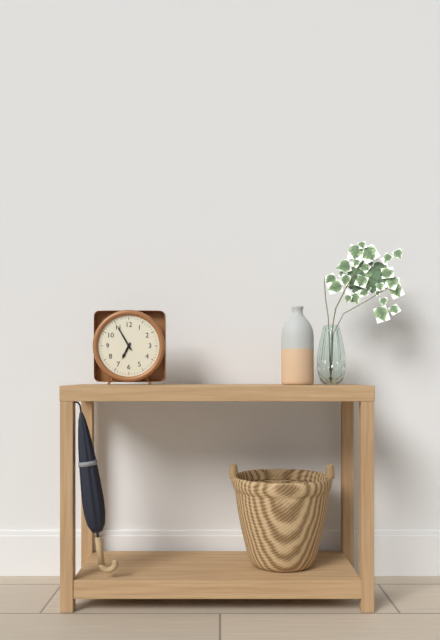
6:55
